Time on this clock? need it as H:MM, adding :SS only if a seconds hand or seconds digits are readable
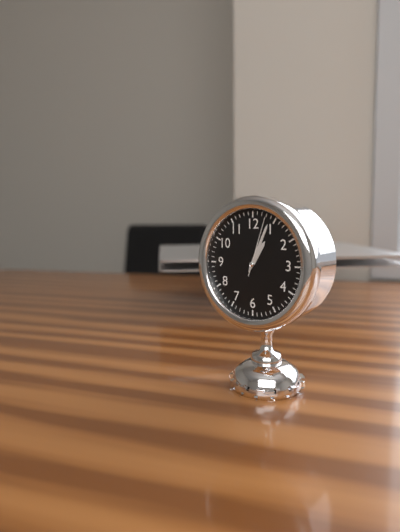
1:04:03
